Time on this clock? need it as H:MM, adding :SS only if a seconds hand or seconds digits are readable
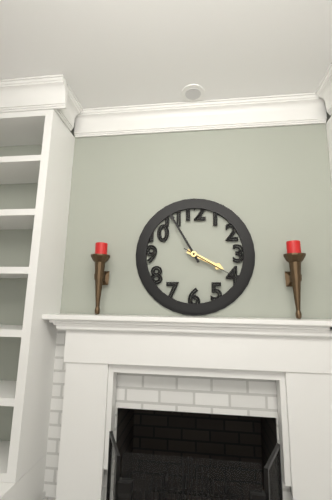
3:55:20
